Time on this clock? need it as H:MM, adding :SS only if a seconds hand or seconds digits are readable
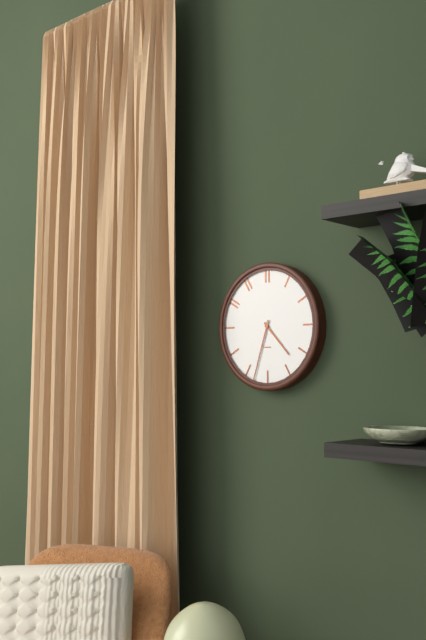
4:33
